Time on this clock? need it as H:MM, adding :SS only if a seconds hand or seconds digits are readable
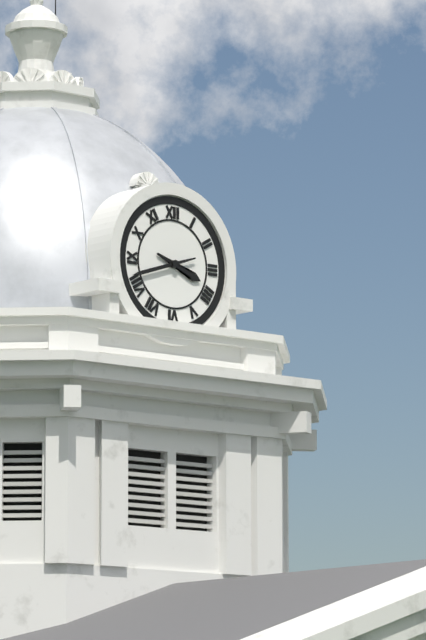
3:42
